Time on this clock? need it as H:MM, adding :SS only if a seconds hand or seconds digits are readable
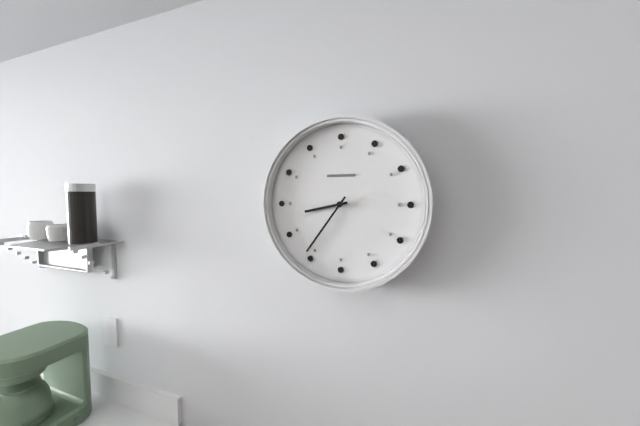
8:36
